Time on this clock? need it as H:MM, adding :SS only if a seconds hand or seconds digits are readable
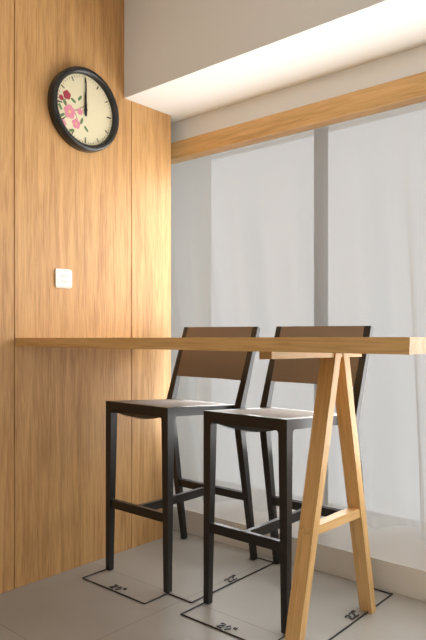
12:00
